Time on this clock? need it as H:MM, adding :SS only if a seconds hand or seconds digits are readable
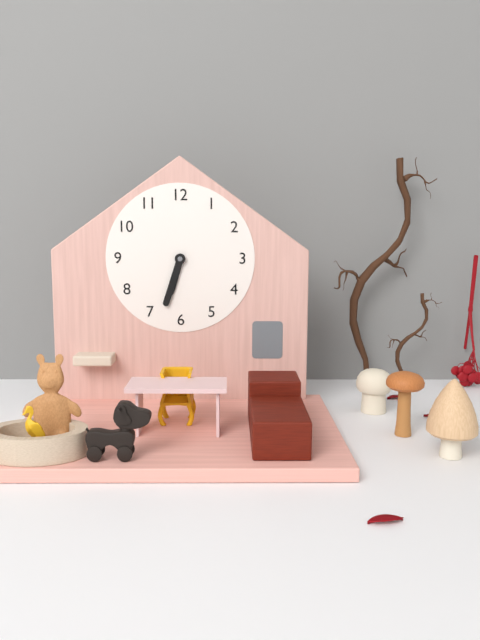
6:33
